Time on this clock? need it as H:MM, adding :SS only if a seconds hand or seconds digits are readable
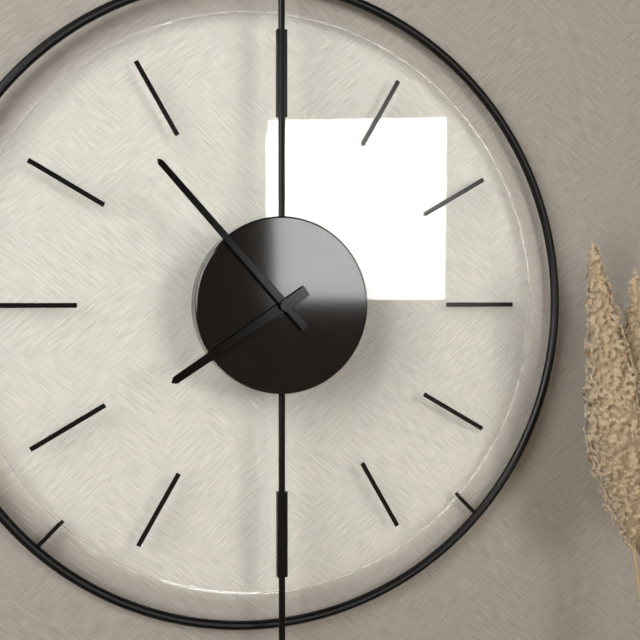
7:53
